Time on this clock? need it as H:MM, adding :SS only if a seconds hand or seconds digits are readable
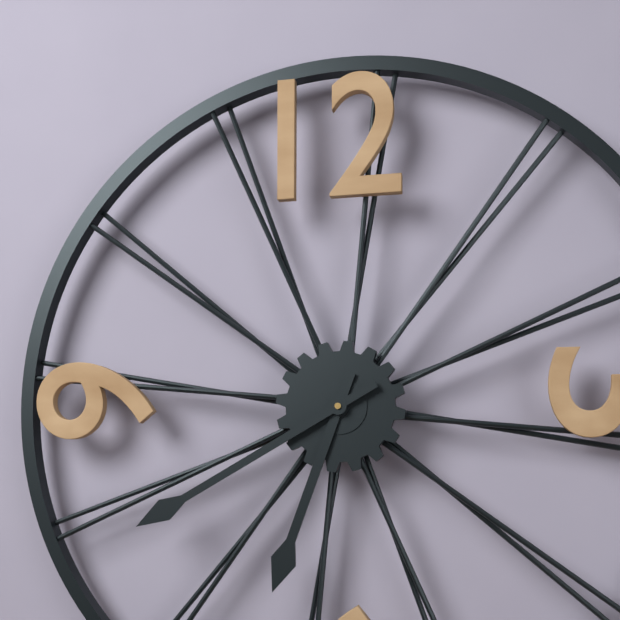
6:40
